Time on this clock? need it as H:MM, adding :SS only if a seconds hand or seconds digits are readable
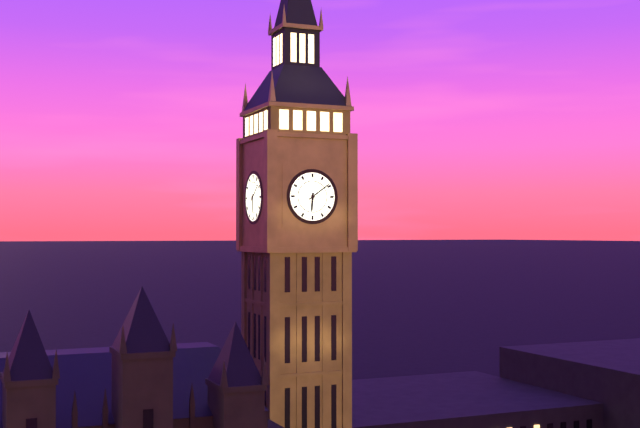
6:09
